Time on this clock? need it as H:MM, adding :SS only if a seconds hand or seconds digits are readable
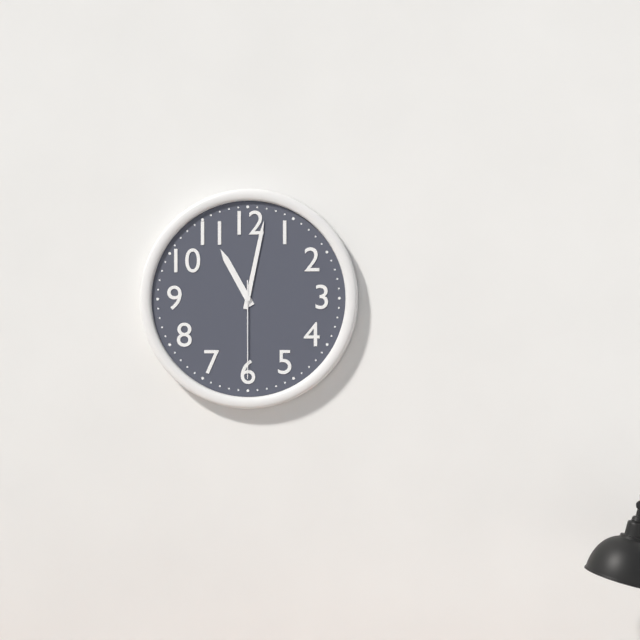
11:02:30
